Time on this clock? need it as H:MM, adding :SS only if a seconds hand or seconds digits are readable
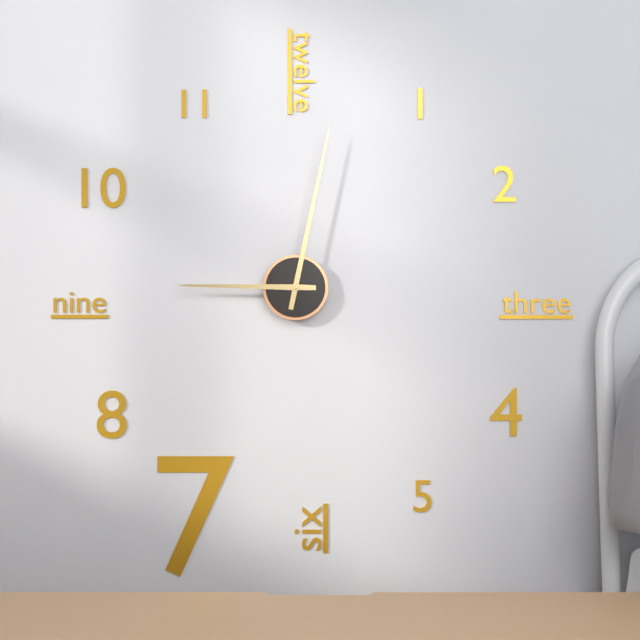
9:02
